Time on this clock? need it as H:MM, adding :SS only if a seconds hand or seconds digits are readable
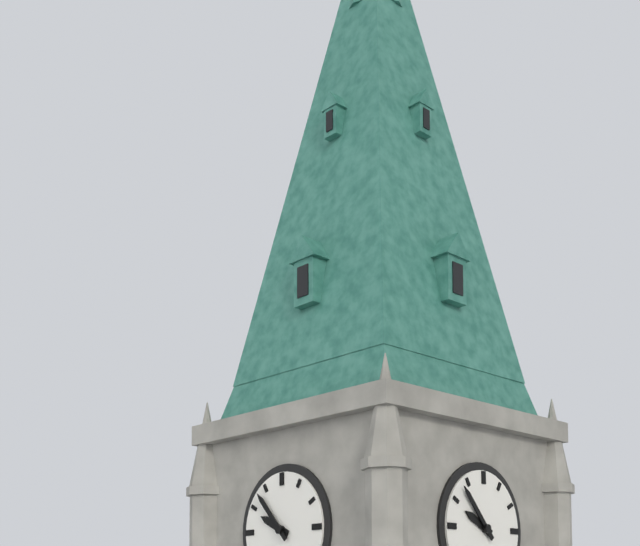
9:53
